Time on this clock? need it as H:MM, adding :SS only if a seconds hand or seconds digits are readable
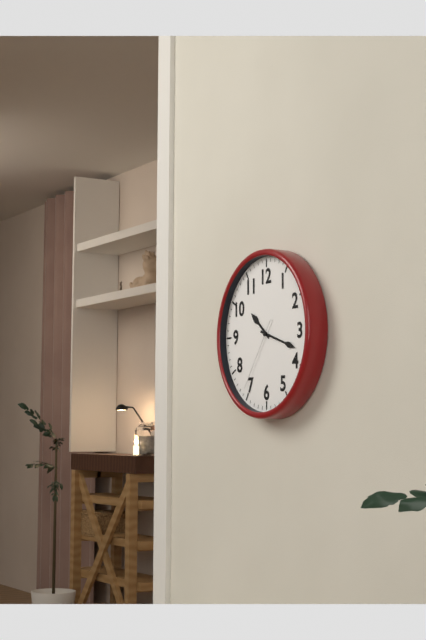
10:18:36
